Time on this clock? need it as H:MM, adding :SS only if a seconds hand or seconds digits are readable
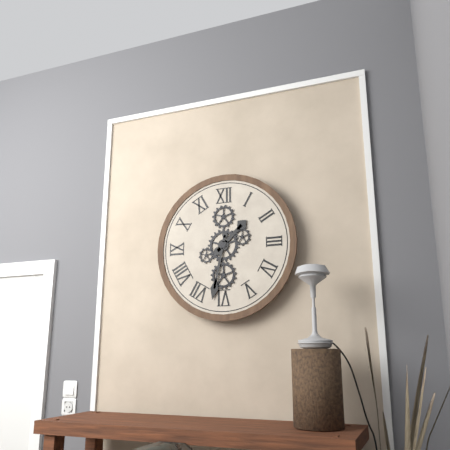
1:32
